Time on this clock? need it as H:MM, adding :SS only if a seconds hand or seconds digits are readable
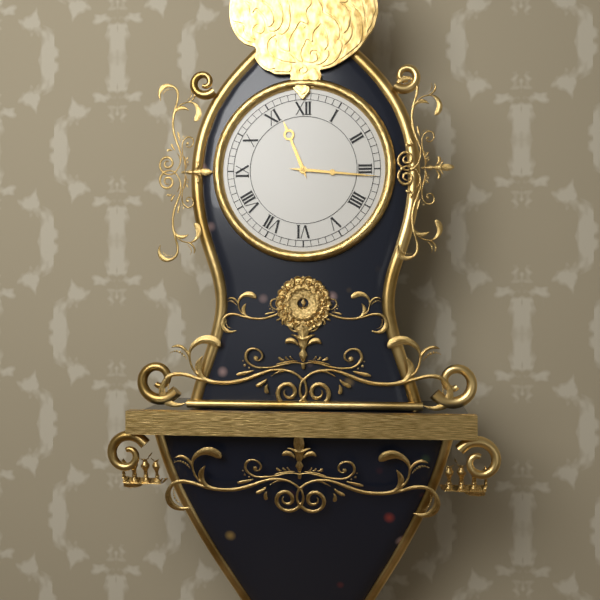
11:16
